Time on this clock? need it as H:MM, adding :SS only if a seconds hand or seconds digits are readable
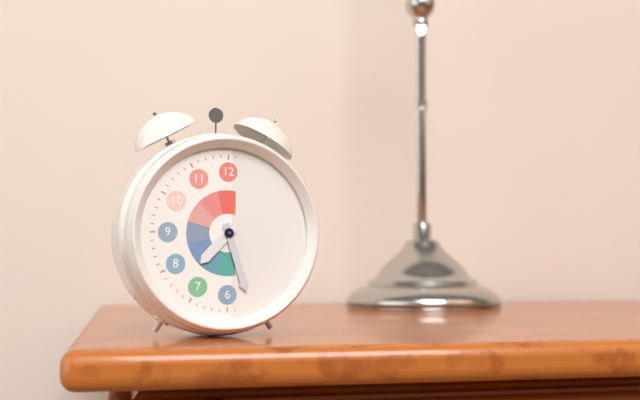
7:27
